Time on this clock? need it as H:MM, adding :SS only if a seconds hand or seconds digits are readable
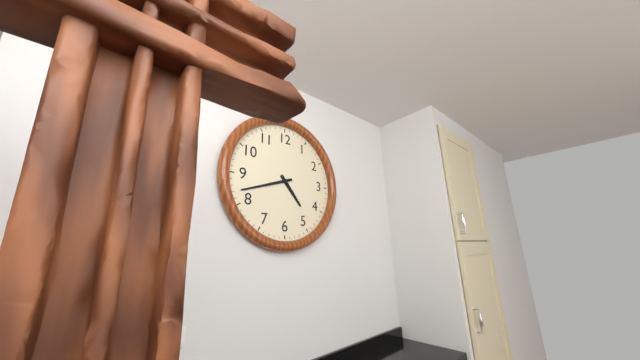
4:42
